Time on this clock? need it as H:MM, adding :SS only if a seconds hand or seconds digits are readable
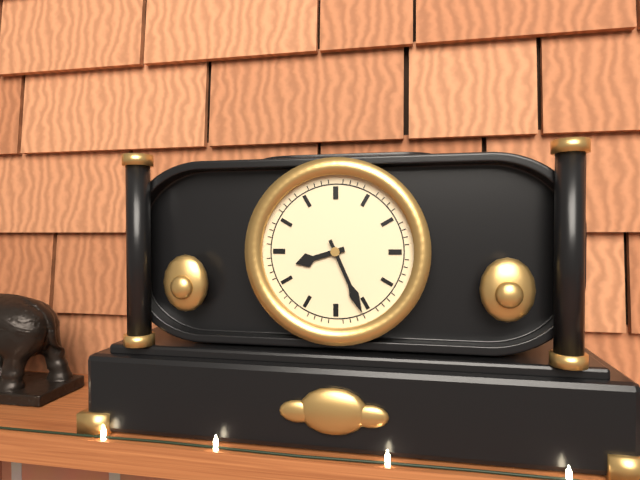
8:26
